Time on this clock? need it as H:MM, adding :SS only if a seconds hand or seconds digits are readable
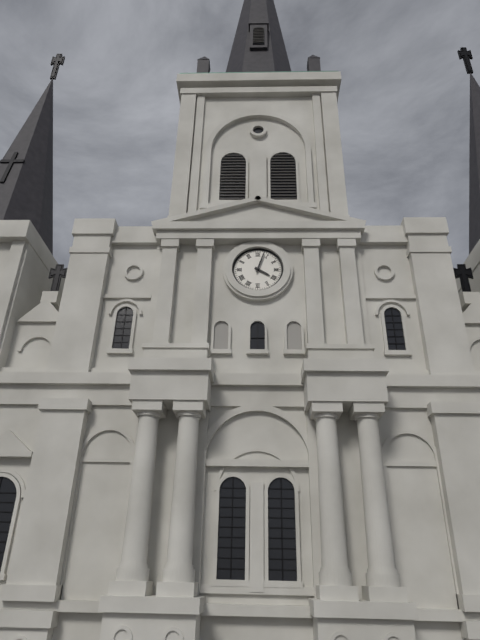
4:03
